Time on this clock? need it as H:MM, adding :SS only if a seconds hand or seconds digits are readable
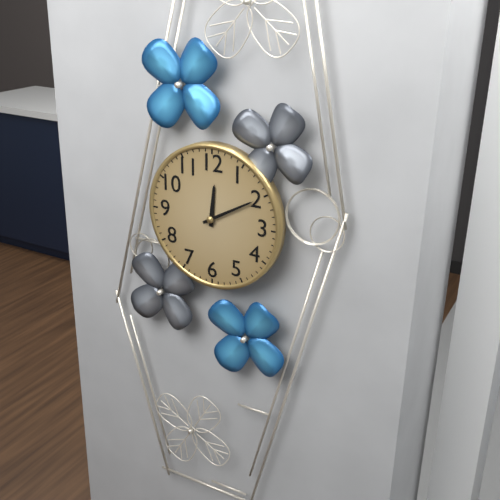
12:10
